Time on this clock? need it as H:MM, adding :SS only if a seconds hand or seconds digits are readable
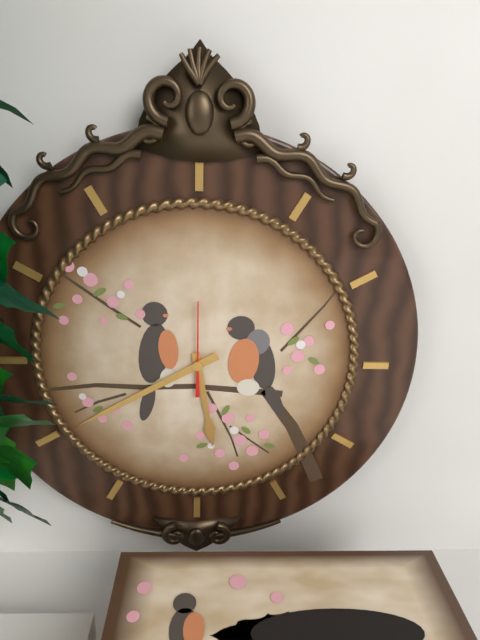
5:40:00
